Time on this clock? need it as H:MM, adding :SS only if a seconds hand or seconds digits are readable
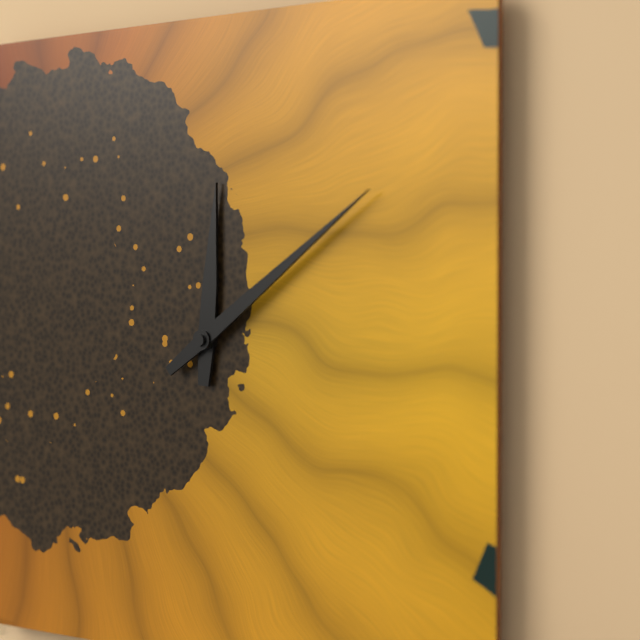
12:09
